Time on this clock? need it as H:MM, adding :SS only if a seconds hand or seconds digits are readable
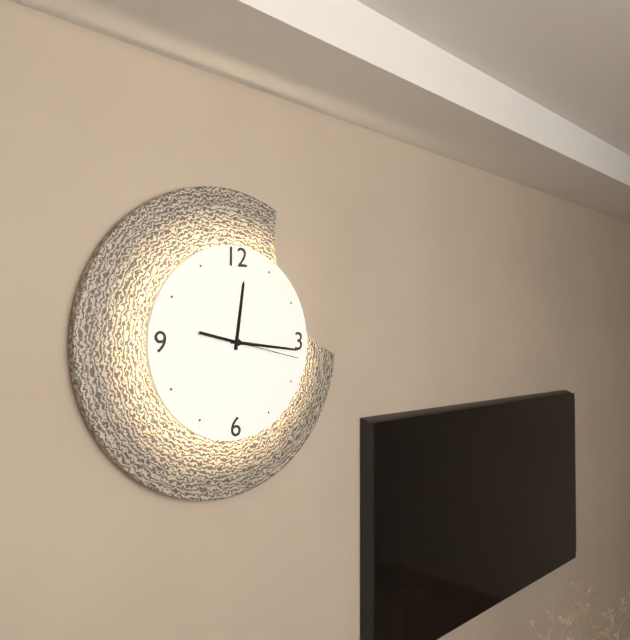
12:16:17
